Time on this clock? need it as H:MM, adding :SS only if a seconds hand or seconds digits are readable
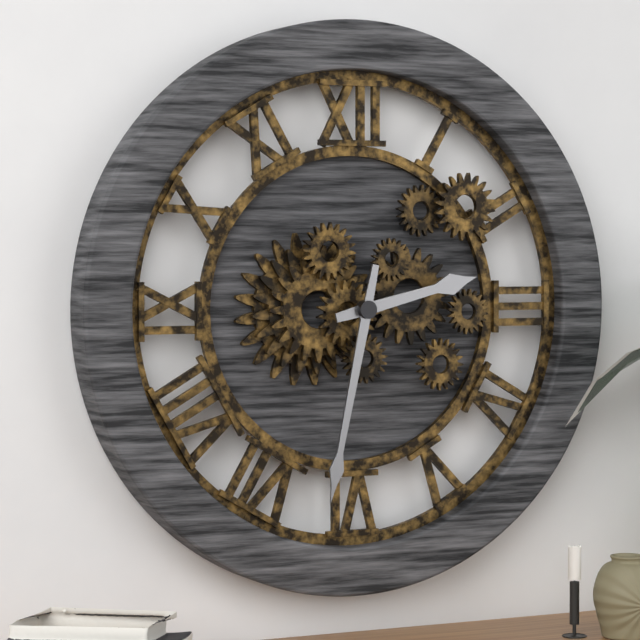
2:32
